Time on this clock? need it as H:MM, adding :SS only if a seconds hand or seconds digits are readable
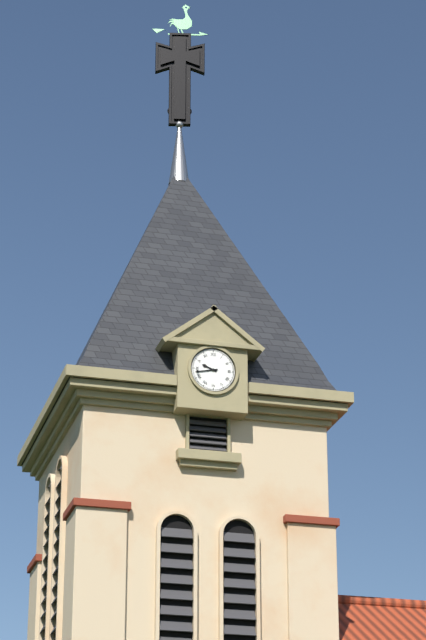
9:43
